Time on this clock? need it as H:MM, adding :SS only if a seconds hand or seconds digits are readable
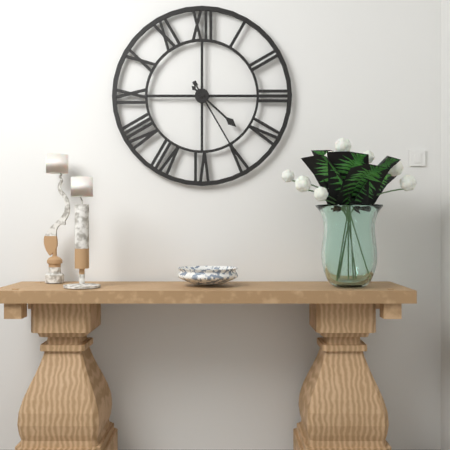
4:25
